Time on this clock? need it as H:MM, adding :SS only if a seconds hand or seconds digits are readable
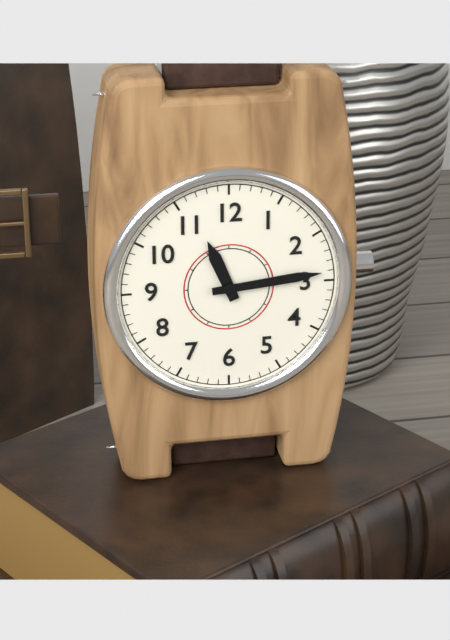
11:14
